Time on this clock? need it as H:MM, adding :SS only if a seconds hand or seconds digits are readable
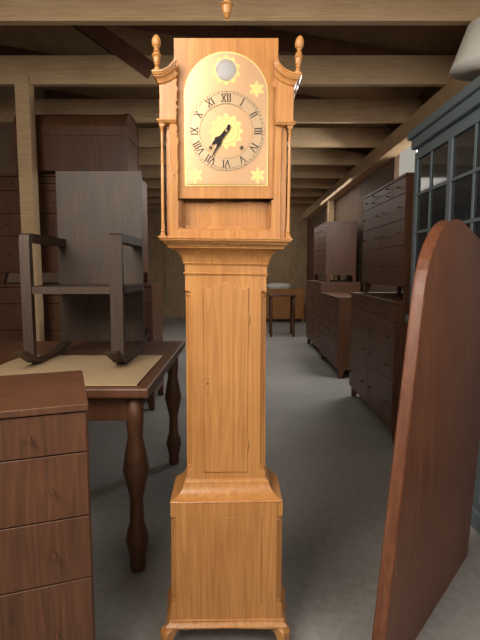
7:35
